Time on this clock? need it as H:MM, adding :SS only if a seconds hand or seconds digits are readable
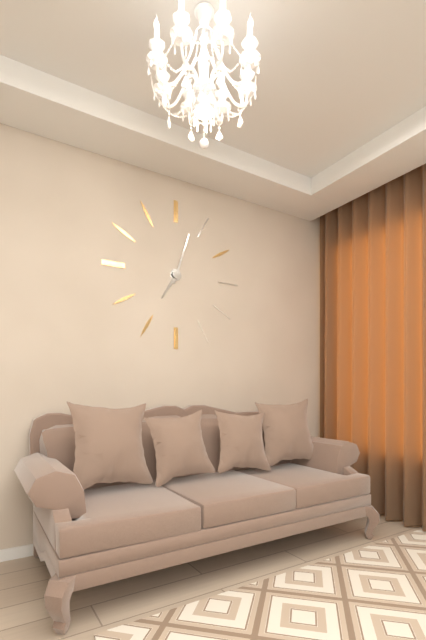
7:03
